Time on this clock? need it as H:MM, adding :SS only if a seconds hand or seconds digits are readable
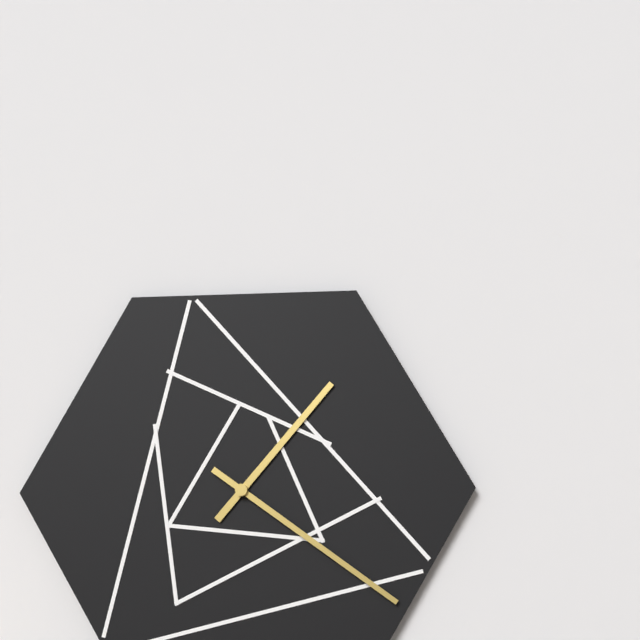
1:21
